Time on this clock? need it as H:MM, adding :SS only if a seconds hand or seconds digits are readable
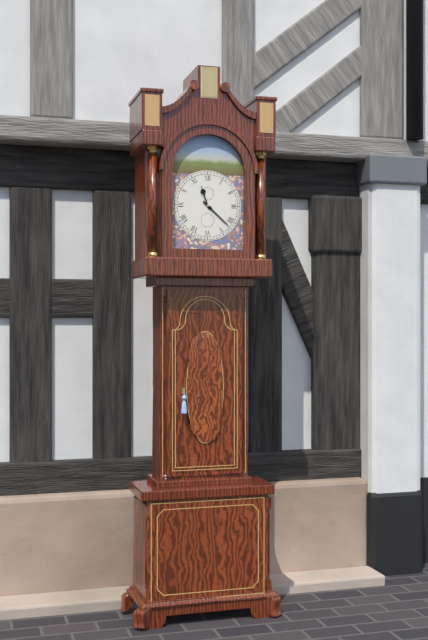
11:22
